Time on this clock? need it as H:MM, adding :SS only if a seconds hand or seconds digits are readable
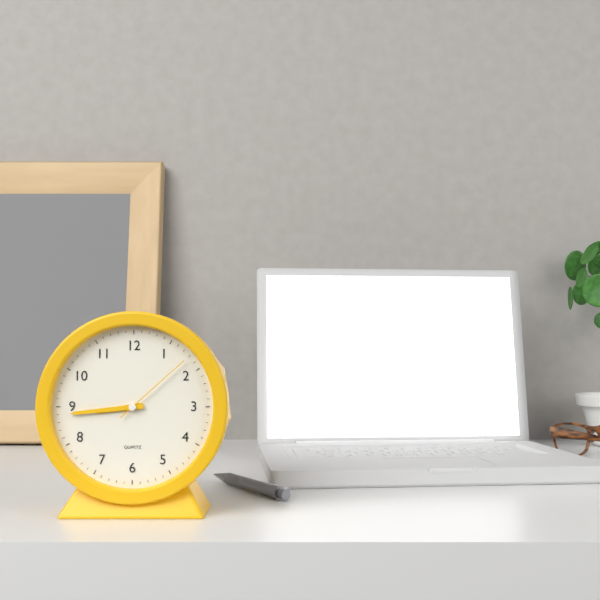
8:44:08
